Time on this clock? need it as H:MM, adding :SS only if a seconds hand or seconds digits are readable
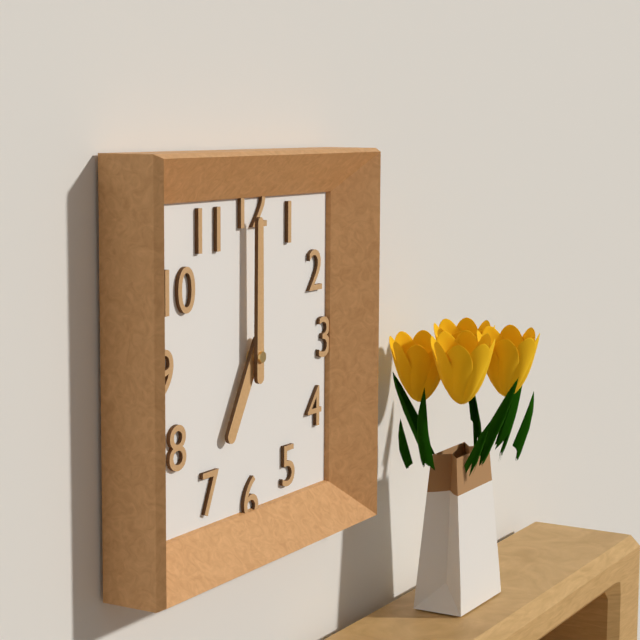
7:00
